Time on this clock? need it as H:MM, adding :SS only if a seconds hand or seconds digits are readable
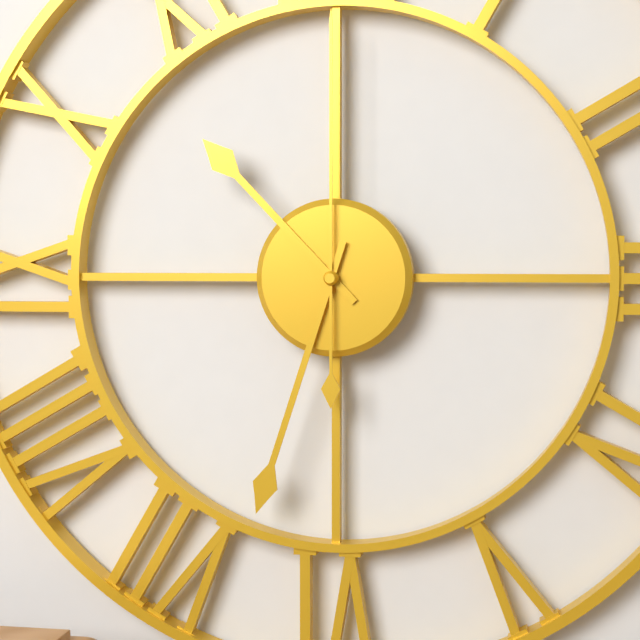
10:33:00
